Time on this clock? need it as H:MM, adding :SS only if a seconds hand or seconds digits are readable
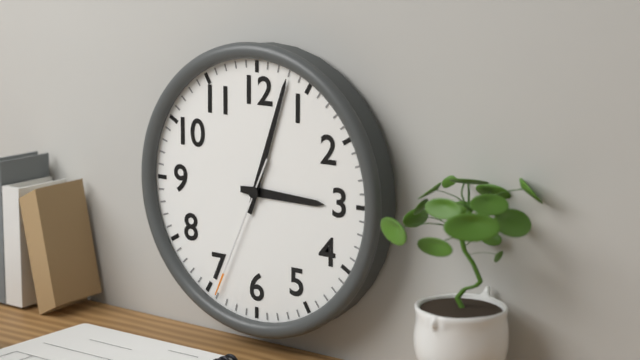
3:03:34
